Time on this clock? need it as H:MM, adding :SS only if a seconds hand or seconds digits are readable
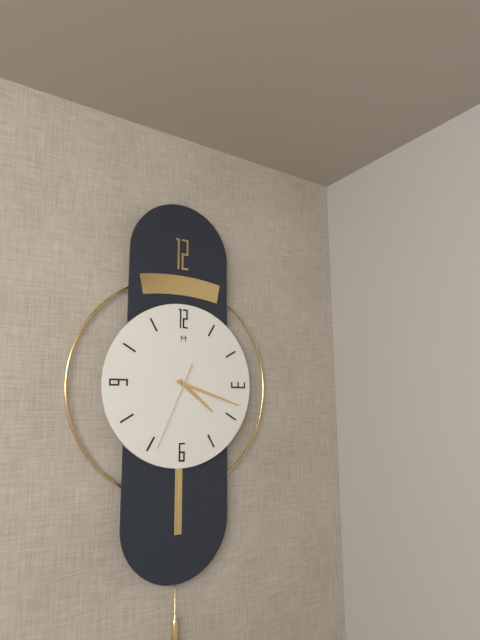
4:18:34
